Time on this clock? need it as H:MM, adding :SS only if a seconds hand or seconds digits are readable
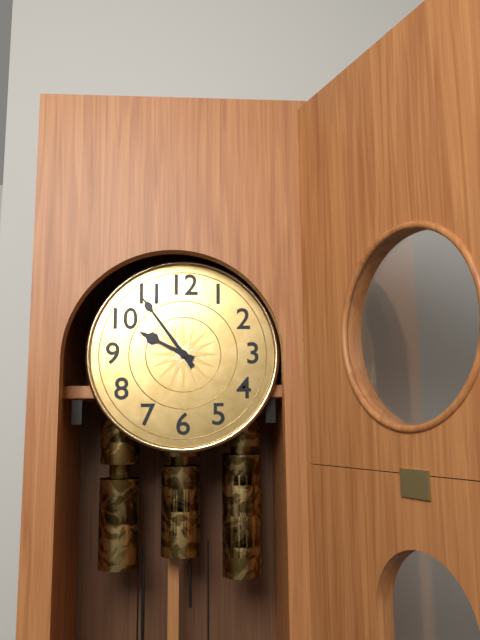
9:54
